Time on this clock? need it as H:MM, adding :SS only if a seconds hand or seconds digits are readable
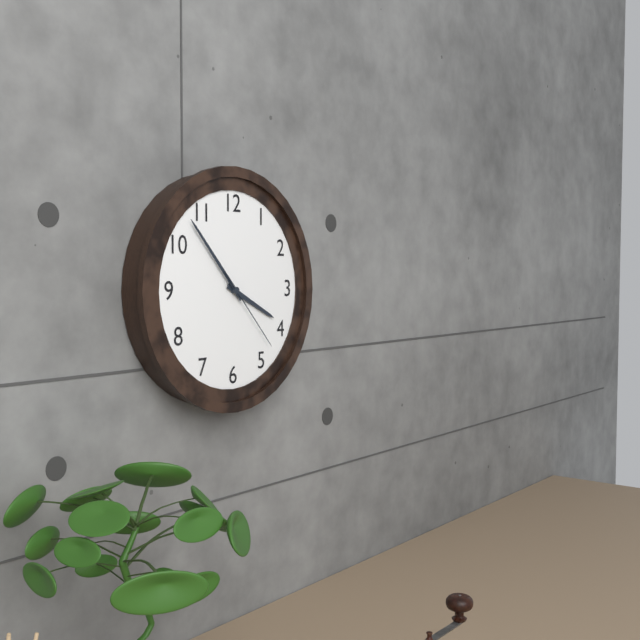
3:53:23
